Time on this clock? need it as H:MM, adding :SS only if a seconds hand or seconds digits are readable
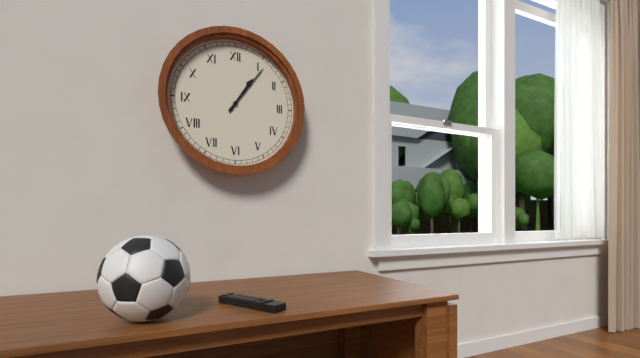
1:06
